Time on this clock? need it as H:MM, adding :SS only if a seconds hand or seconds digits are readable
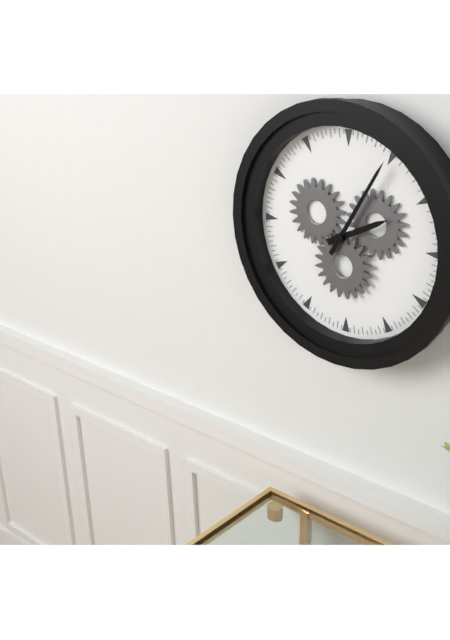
2:05
